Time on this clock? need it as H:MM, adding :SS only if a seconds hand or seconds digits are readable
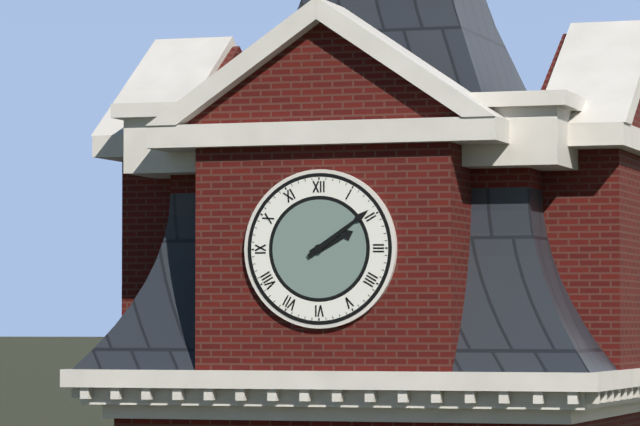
2:09
